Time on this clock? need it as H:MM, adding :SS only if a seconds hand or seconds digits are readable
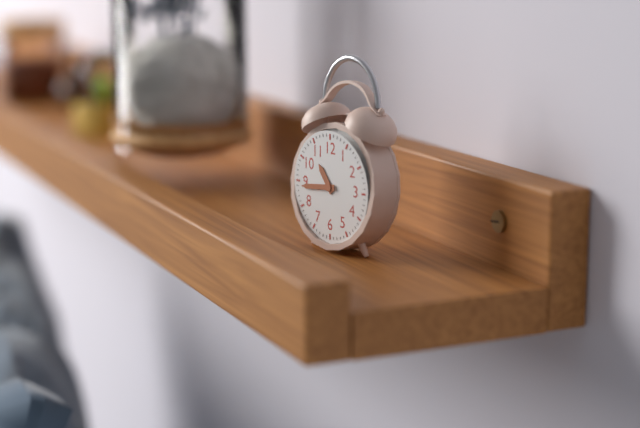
10:44
